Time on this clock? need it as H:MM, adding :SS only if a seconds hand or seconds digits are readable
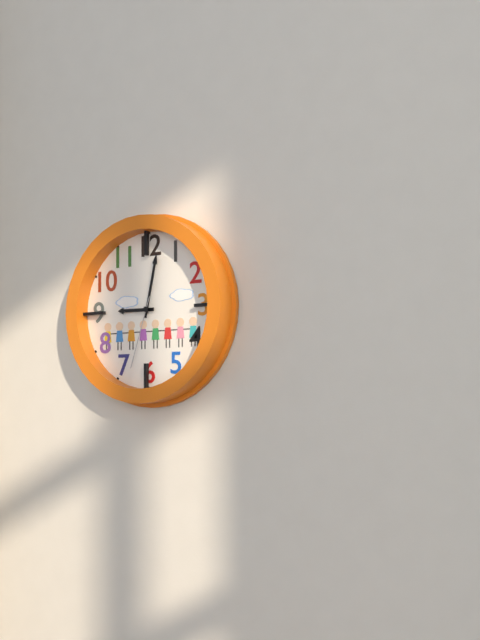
9:02:33
